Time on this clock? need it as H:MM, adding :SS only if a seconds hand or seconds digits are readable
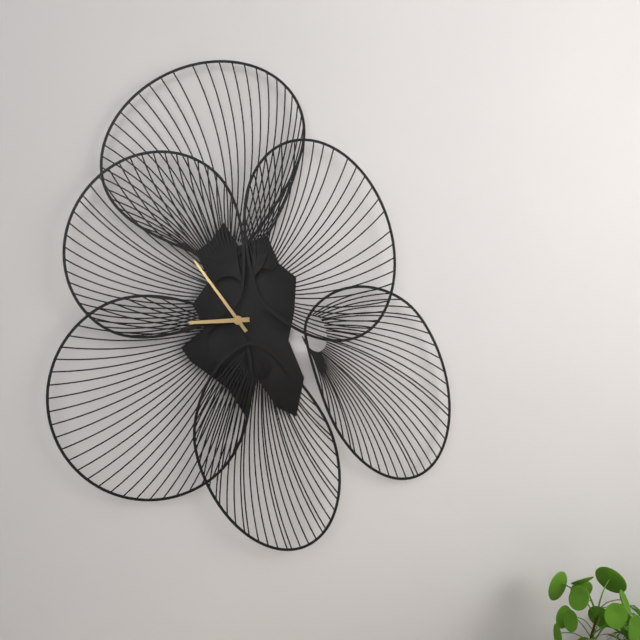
8:54
